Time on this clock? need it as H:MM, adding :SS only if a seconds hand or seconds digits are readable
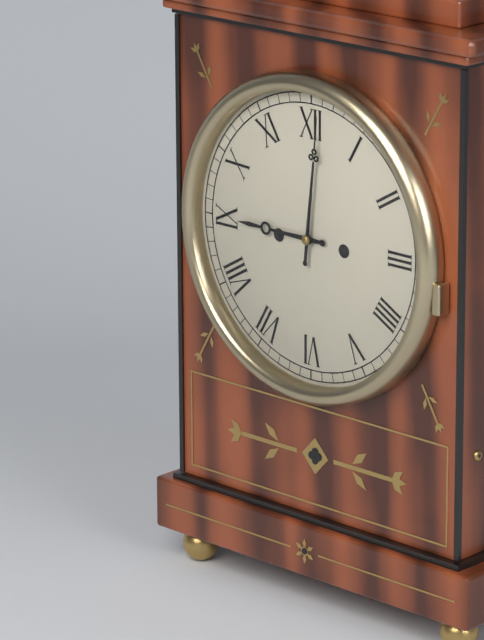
9:01
